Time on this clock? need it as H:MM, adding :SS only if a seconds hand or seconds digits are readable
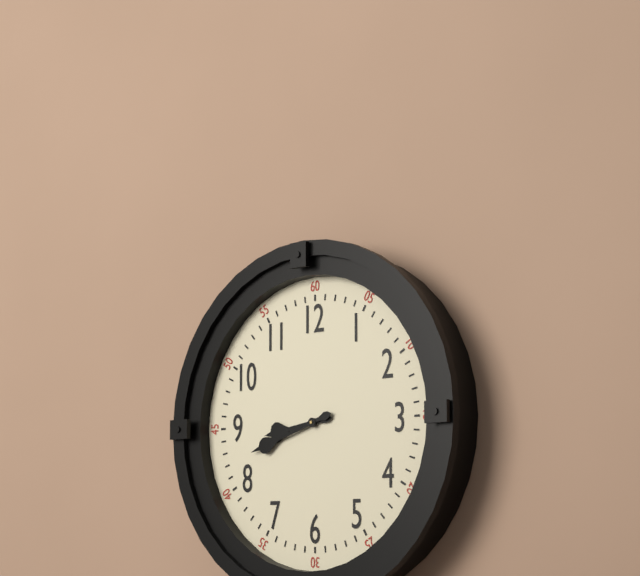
8:42
